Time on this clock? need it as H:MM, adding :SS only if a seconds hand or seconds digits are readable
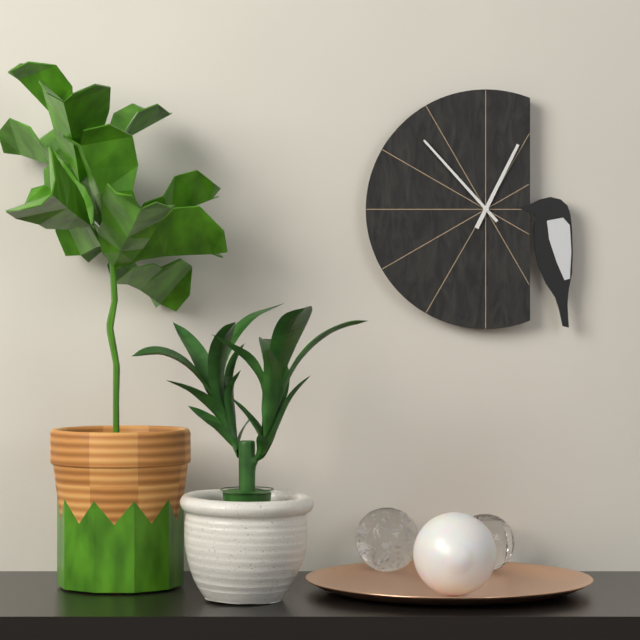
12:53
